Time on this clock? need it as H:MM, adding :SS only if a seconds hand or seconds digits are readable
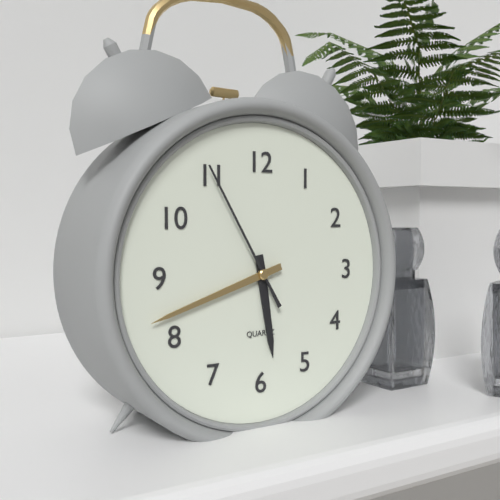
5:42:55
